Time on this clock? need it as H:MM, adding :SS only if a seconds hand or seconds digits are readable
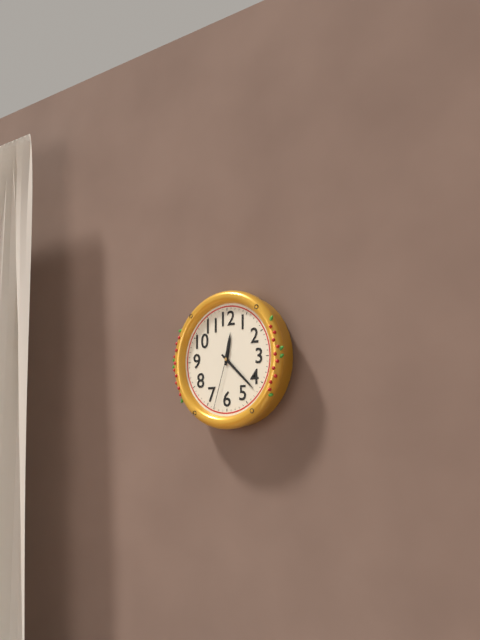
12:22:33
